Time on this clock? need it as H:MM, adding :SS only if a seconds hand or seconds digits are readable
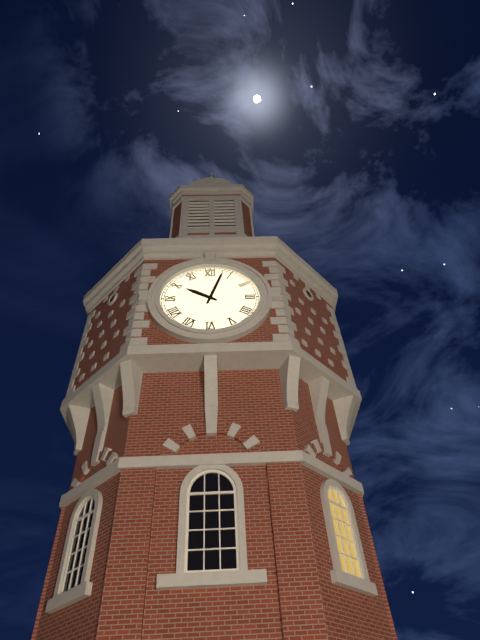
10:03
